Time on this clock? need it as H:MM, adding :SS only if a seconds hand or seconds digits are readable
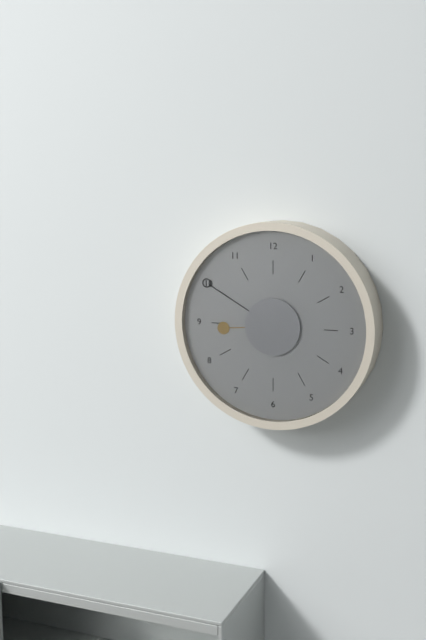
8:50
